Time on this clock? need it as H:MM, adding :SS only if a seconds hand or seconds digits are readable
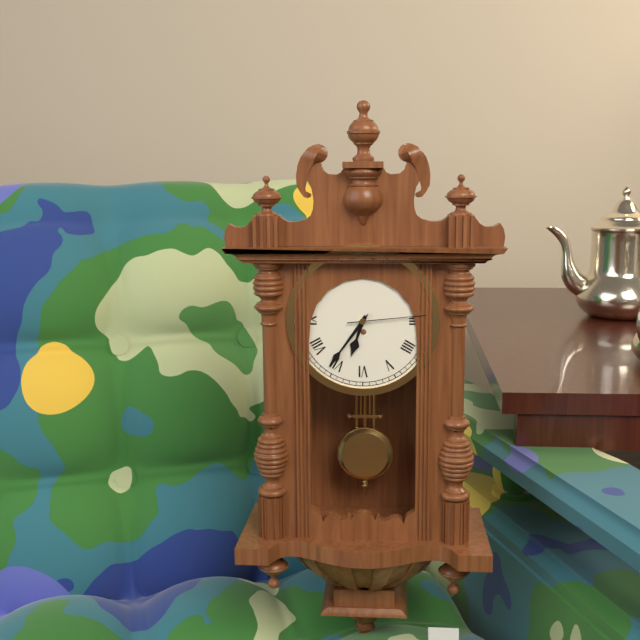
6:36:14
